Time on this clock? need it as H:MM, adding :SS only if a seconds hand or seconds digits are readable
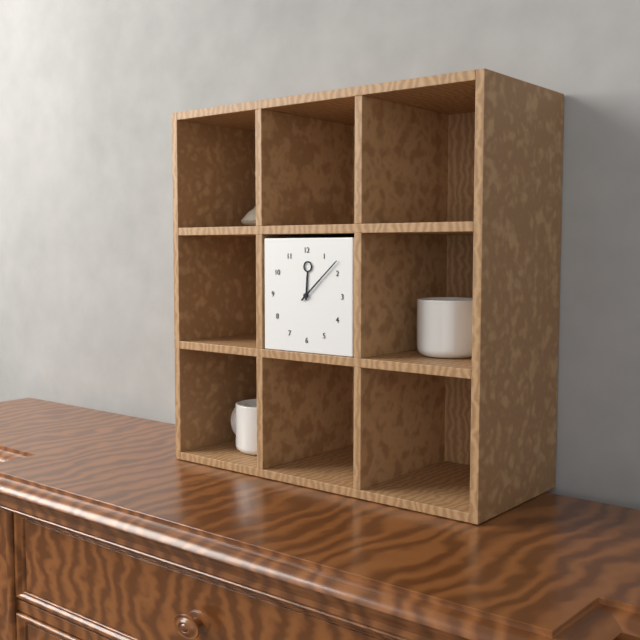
12:08
